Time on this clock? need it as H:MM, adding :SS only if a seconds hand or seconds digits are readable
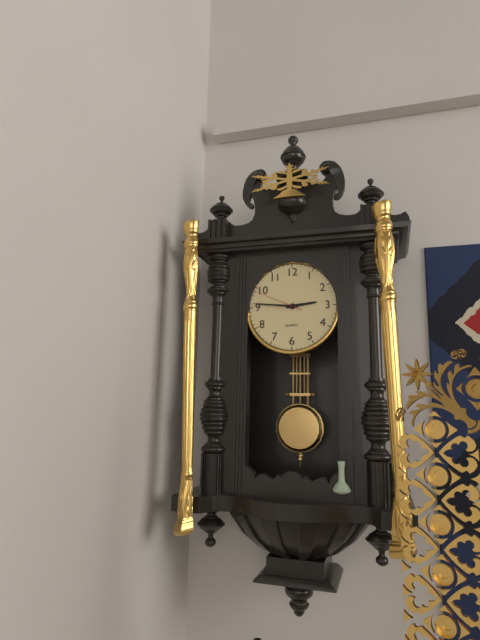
2:46:49
